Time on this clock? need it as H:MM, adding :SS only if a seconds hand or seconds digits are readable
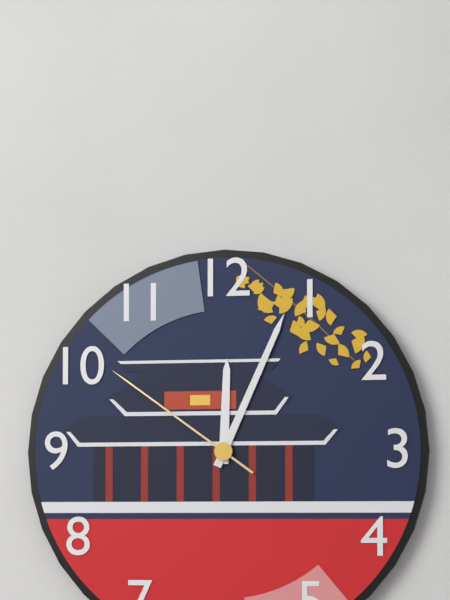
12:04:51
